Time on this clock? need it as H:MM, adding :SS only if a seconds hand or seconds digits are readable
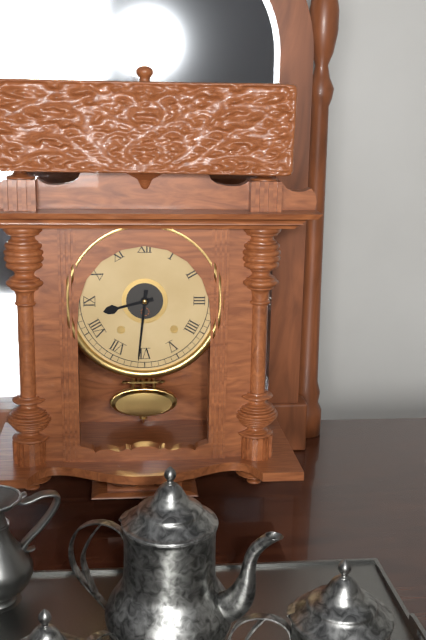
8:31
